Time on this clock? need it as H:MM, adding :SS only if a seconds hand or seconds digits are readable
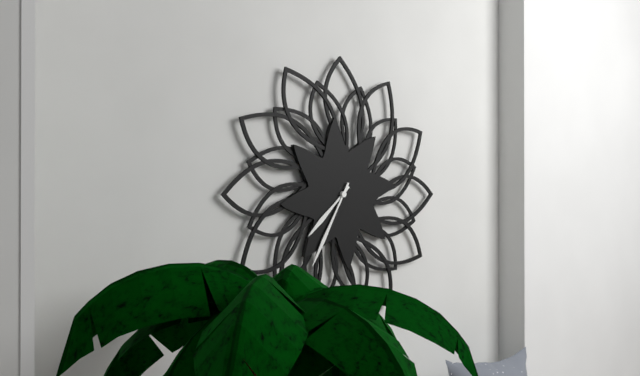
7:35
